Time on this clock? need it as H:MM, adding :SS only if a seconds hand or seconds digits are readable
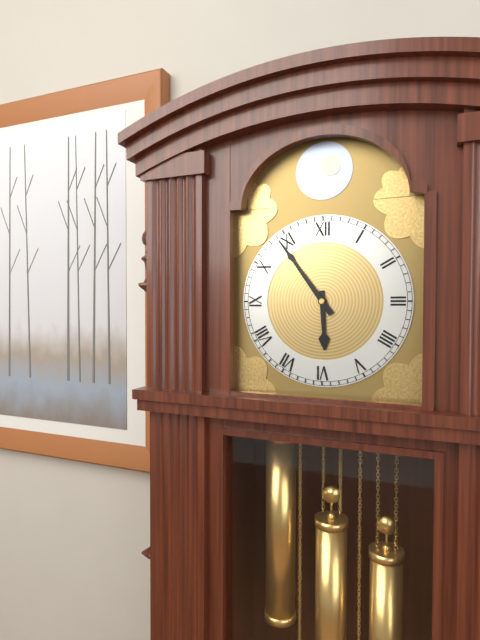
5:54
